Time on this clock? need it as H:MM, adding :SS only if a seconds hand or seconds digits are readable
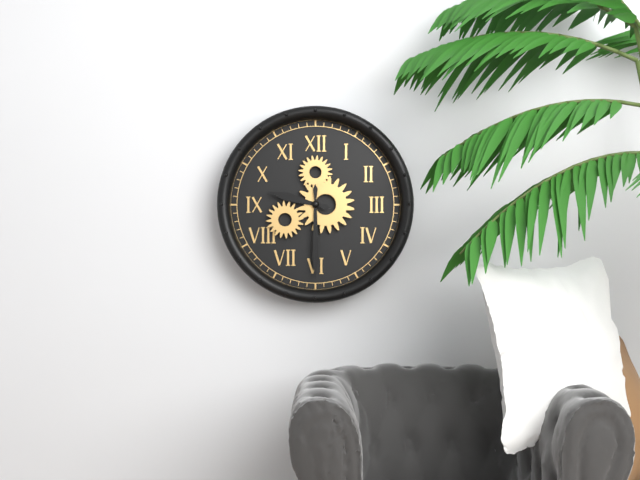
9:30
